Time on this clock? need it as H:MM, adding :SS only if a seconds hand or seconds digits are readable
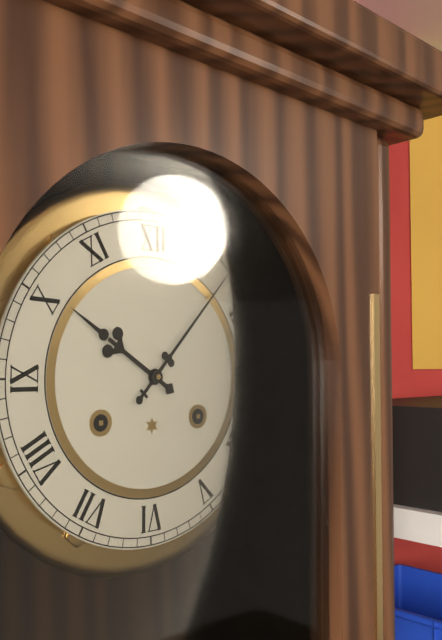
10:07
